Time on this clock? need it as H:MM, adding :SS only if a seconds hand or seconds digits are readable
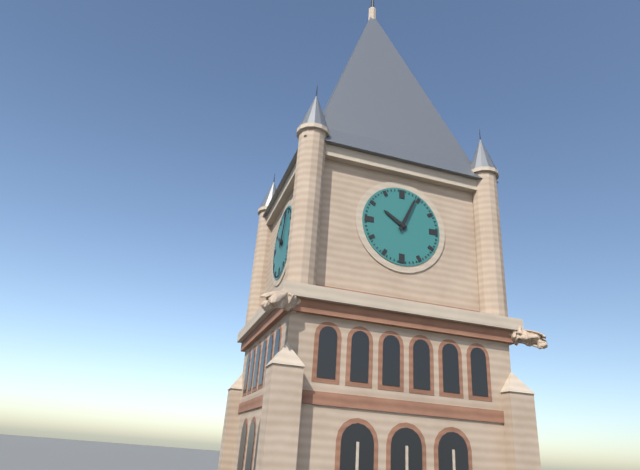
10:04
